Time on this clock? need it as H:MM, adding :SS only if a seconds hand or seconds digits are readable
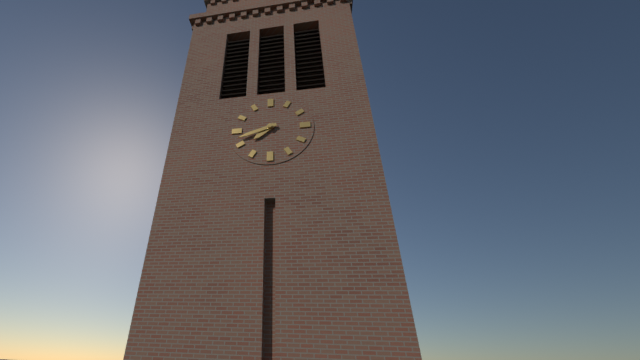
7:42
